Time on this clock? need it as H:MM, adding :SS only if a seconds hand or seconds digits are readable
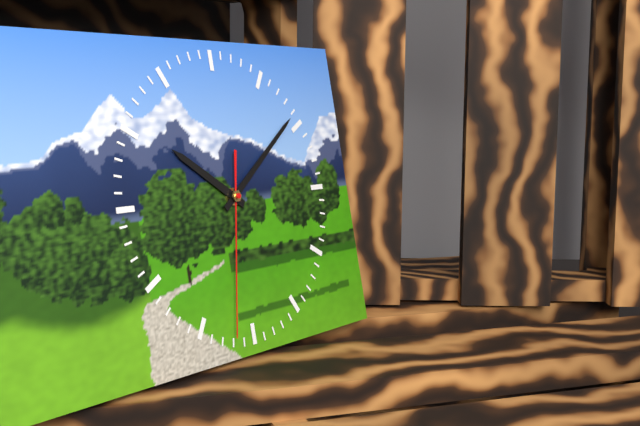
10:09:32
